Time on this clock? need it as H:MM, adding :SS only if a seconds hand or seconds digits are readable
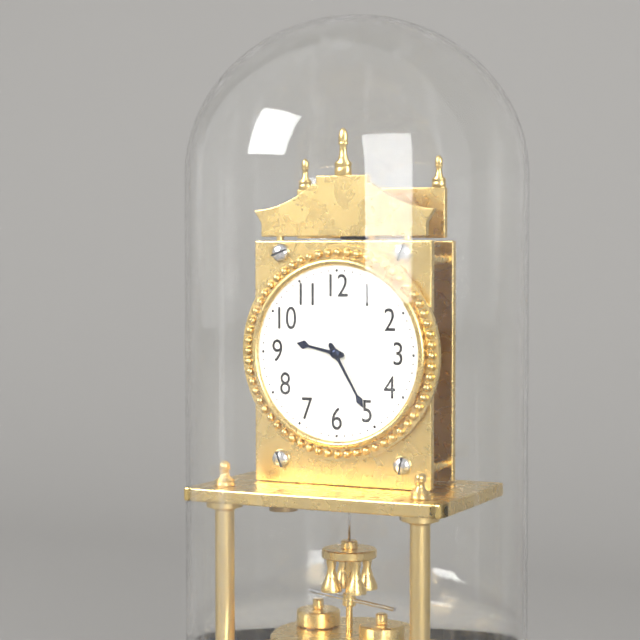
9:25
